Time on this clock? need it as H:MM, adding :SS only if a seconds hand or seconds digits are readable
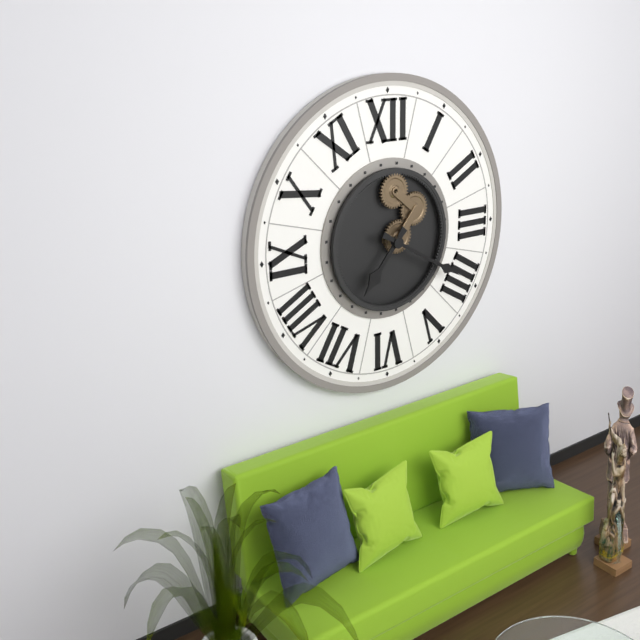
7:20
